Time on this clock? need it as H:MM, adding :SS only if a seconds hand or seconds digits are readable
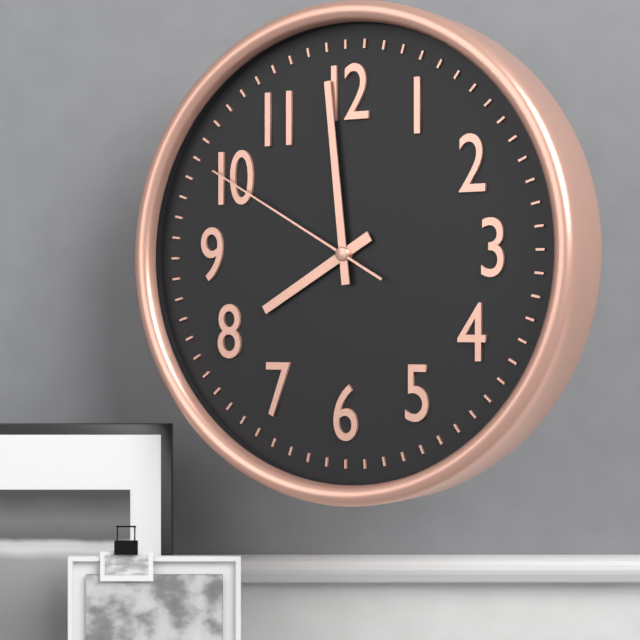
7:59:50
